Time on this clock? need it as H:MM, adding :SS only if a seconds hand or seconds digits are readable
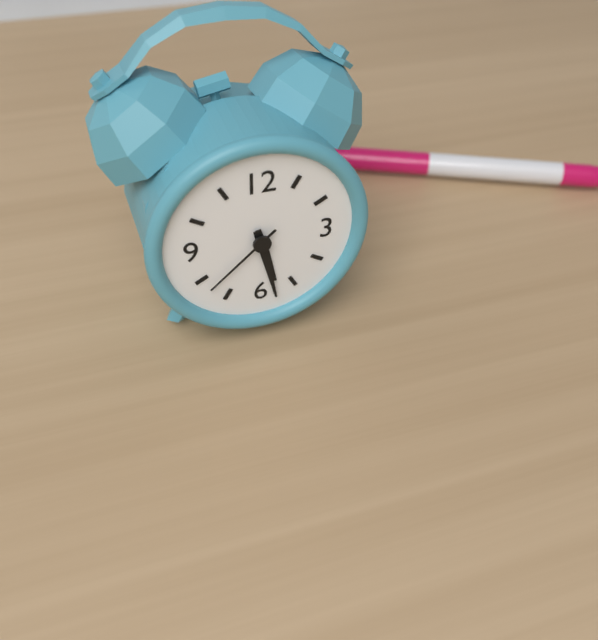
5:28:38
